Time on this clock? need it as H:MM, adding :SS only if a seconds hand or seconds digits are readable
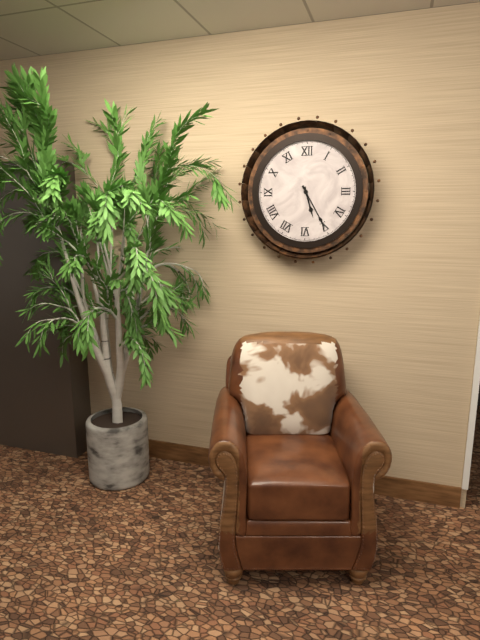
5:25
